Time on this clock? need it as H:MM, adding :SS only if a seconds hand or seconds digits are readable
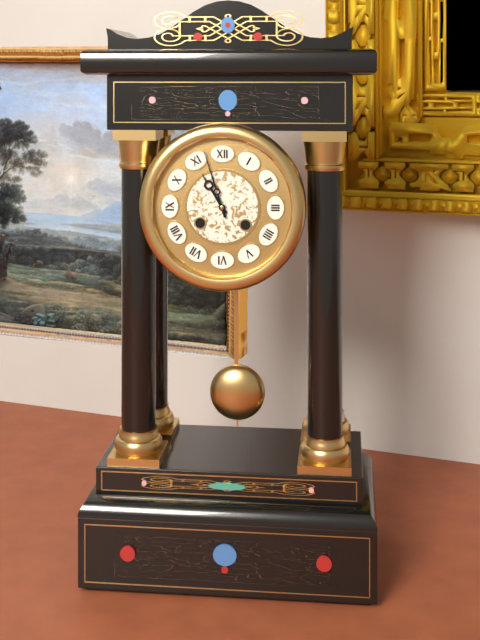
10:57
